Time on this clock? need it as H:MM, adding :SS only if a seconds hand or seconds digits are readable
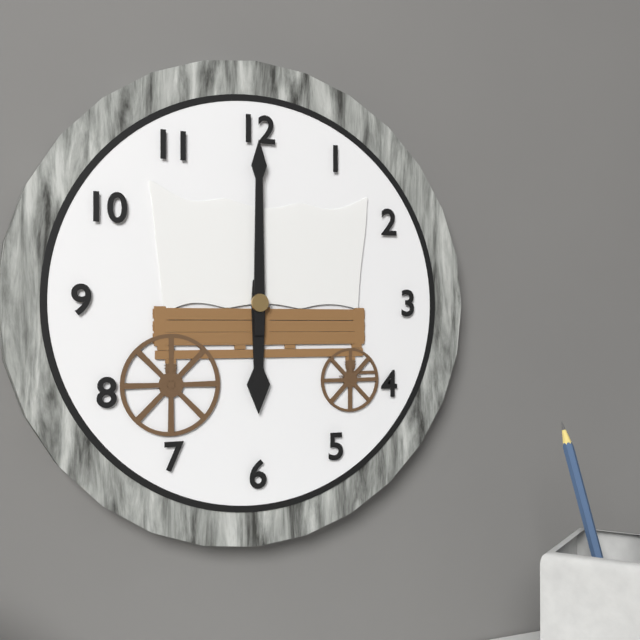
6:00
